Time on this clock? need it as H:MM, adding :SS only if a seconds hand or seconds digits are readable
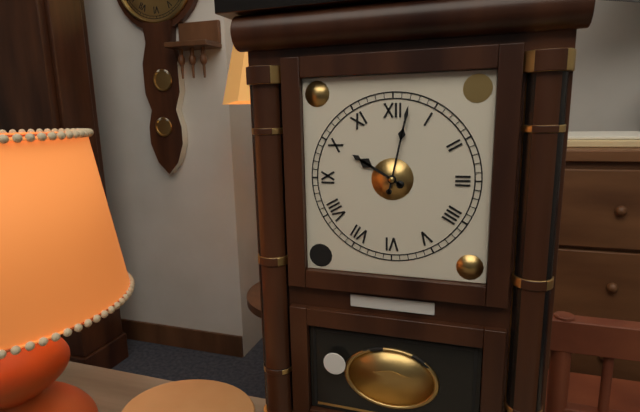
10:02
